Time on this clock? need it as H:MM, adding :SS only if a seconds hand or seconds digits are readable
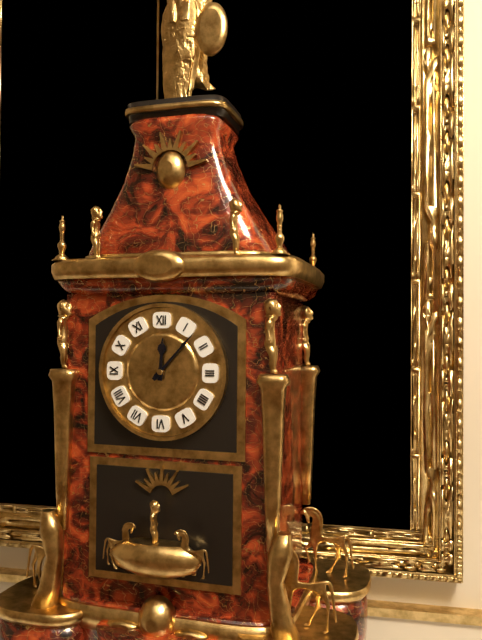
12:07
